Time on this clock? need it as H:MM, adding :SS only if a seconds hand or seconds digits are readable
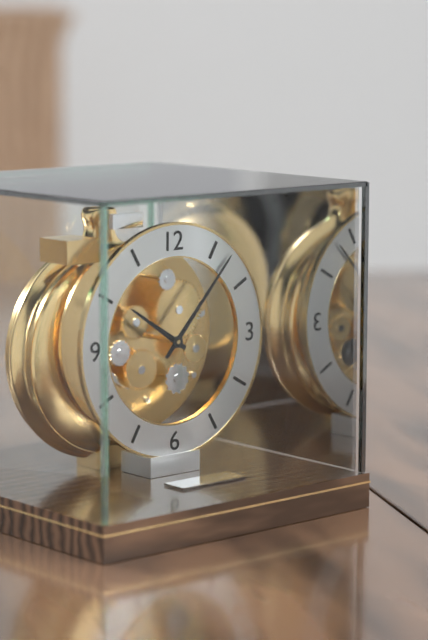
10:07
